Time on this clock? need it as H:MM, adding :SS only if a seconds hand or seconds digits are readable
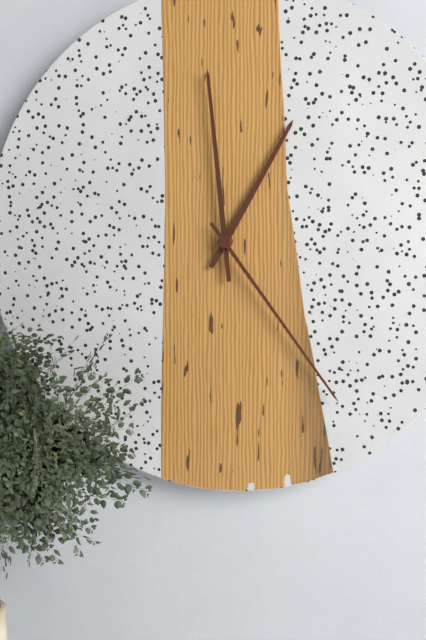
12:59:24
